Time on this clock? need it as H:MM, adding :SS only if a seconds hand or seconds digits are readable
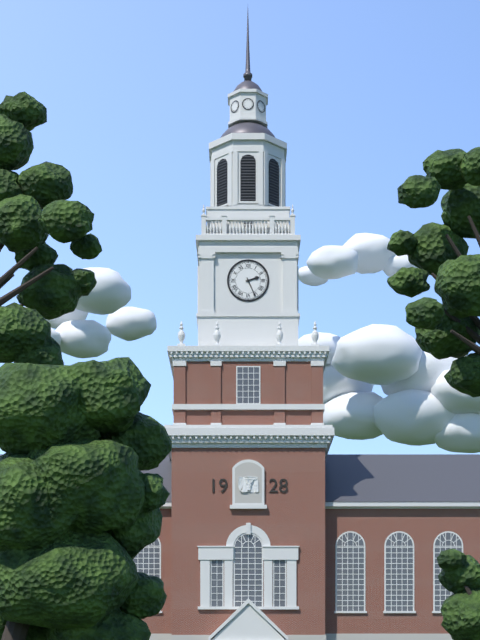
2:26
